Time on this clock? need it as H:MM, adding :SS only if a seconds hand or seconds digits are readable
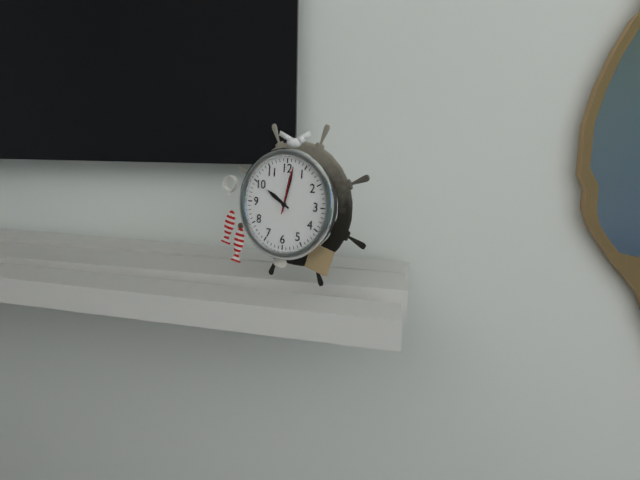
10:02
